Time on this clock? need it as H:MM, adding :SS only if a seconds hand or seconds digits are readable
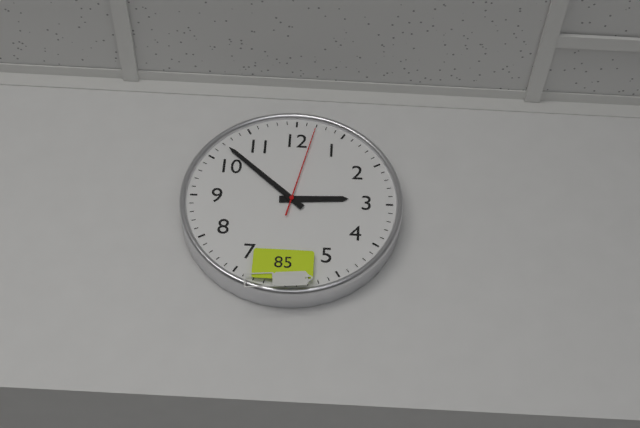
2:52:02
